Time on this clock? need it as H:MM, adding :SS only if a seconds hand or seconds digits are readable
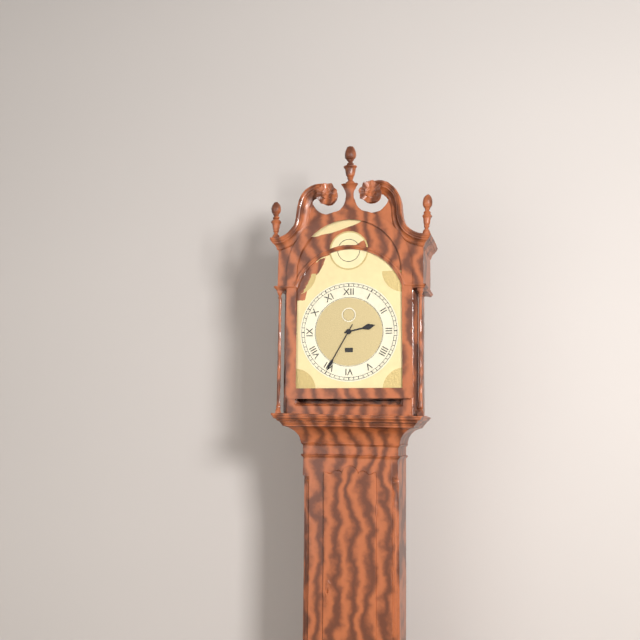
2:35
